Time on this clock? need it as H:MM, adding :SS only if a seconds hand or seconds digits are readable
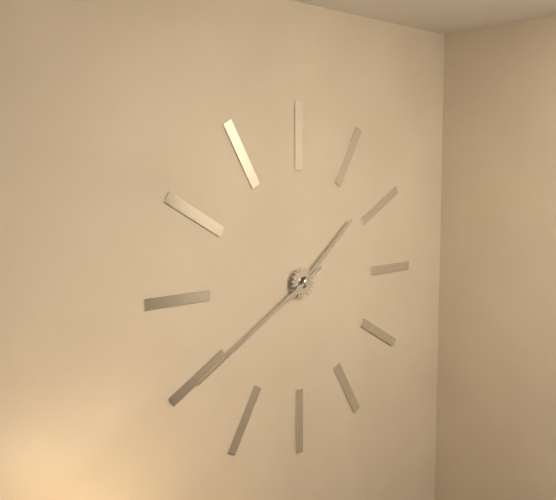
1:40
